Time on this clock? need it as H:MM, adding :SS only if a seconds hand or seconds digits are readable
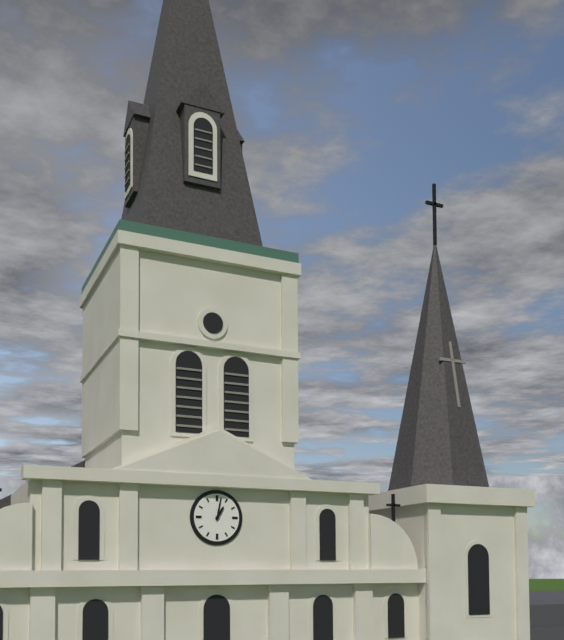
1:02
